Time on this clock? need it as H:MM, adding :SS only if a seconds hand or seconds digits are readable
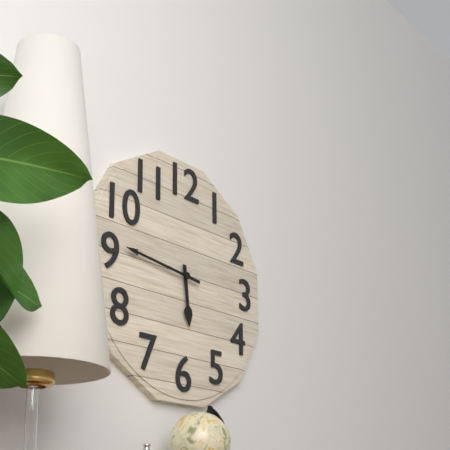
5:46
